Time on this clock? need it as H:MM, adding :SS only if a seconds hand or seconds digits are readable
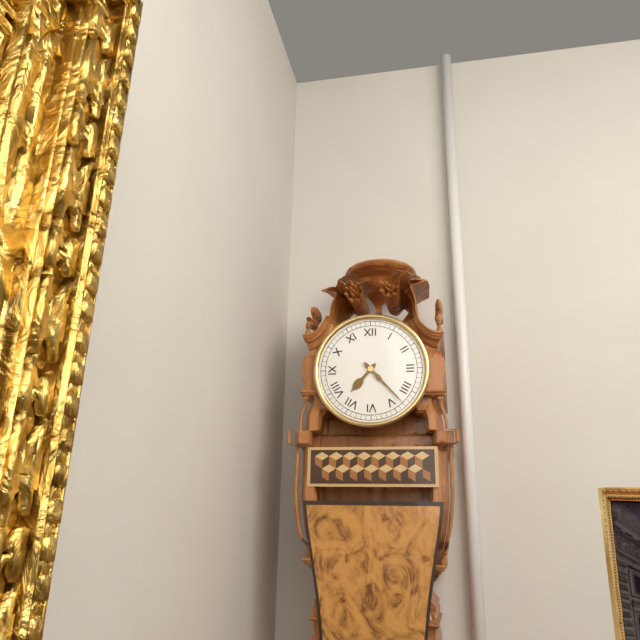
7:23
